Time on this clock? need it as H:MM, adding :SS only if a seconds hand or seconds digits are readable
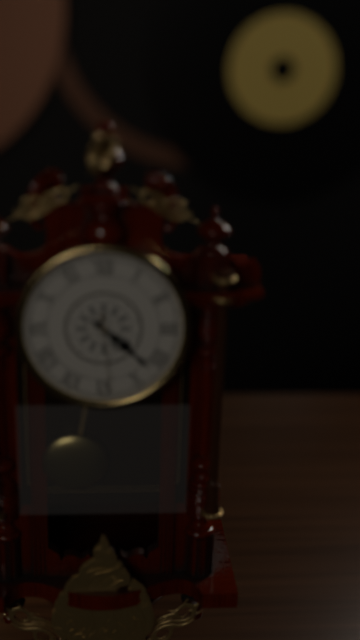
4:22:29
